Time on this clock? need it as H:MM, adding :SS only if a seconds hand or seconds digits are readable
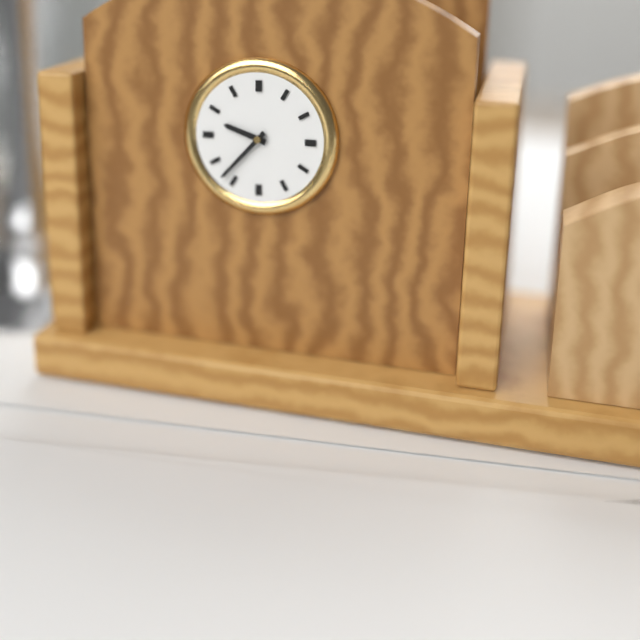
9:37
